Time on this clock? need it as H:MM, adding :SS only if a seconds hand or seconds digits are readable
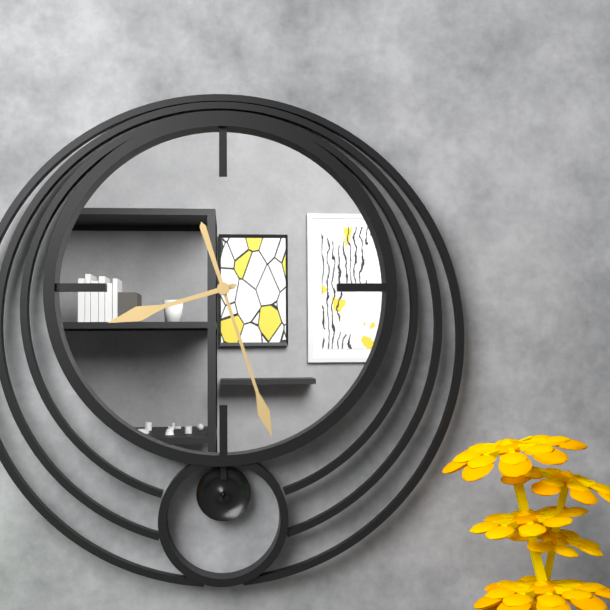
8:27
